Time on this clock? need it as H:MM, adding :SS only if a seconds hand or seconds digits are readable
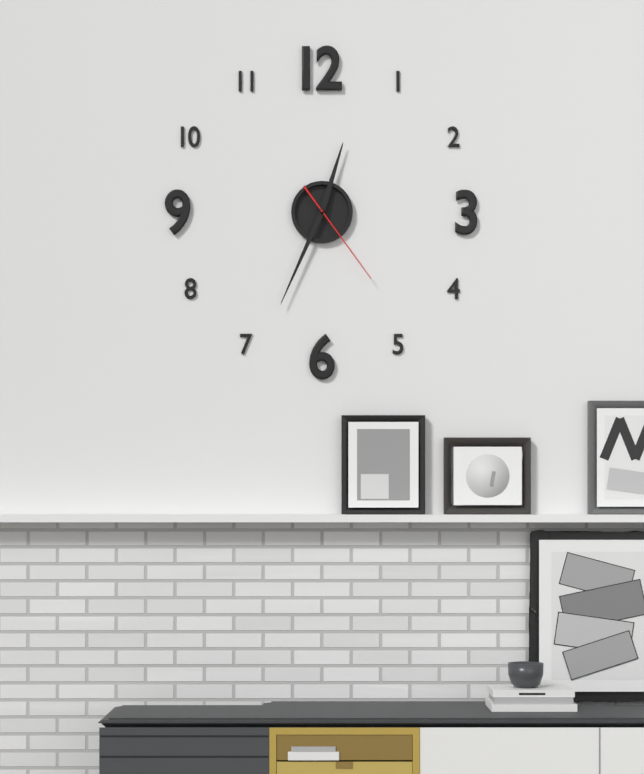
12:34:24
